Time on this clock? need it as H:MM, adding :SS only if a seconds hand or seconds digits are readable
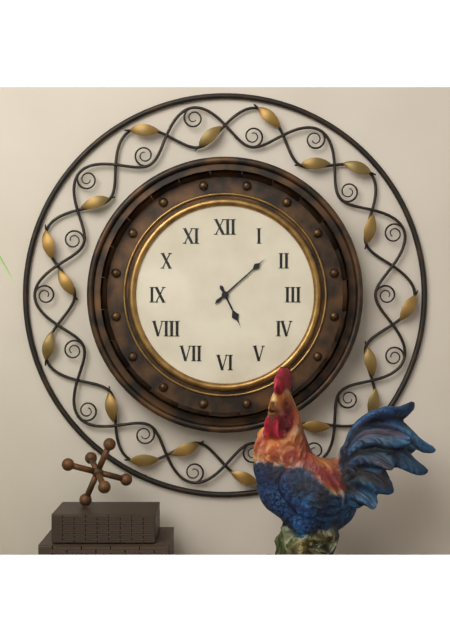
5:08
